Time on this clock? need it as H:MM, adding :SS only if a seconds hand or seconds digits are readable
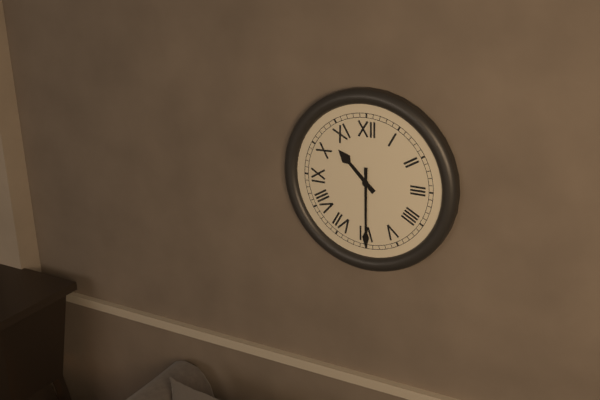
10:30
